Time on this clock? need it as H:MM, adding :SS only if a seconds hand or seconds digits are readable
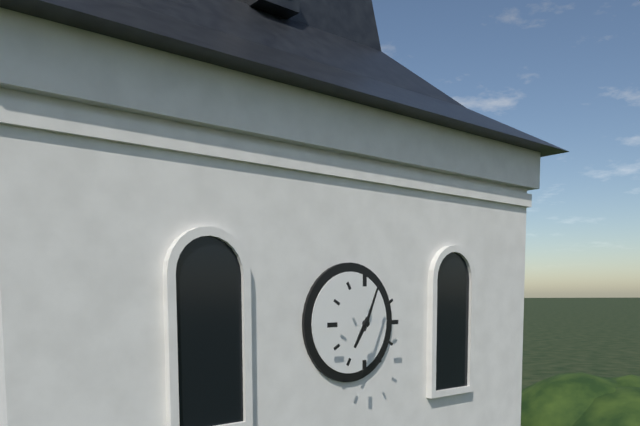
7:04
